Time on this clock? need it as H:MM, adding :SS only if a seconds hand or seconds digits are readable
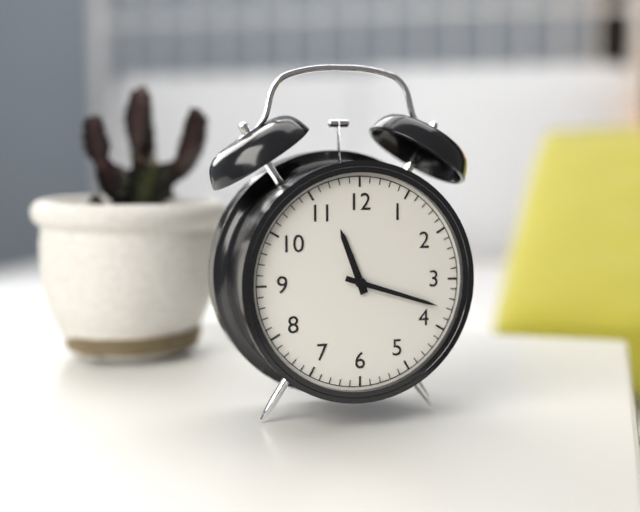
11:18
